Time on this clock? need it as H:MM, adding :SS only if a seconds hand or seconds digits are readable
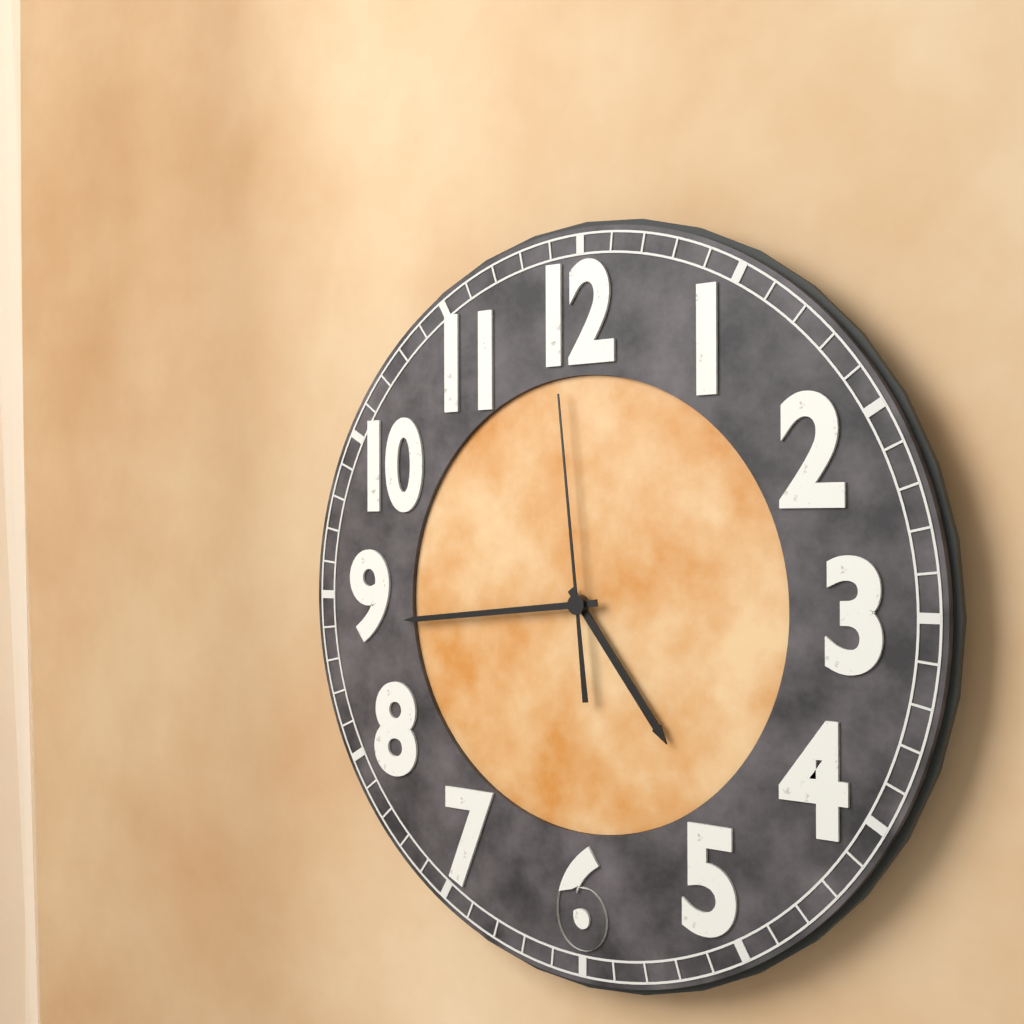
4:44:59
